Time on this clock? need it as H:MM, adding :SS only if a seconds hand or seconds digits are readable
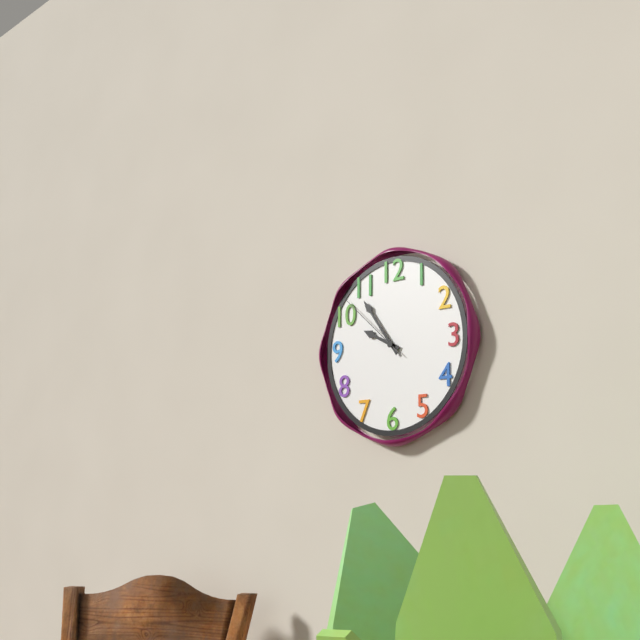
9:54:52
